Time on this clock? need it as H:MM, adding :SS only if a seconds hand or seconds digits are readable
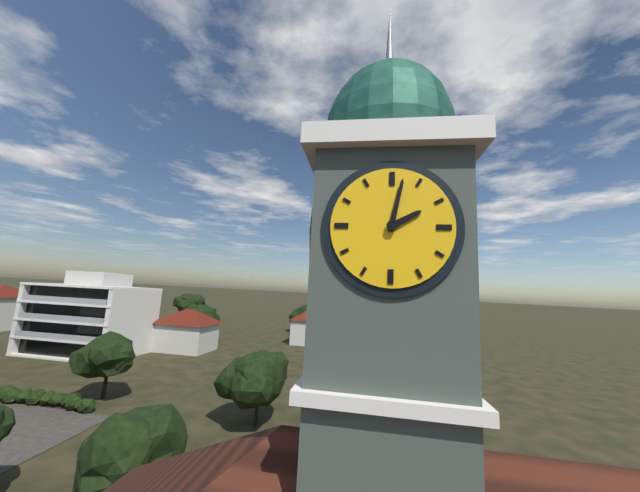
2:02
